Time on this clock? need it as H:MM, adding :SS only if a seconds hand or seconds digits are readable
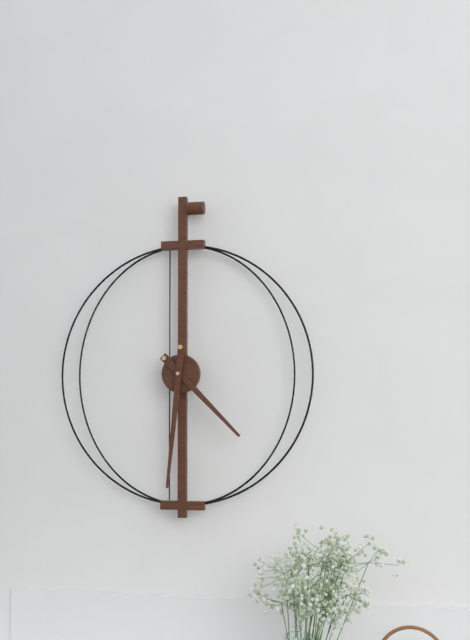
4:31
